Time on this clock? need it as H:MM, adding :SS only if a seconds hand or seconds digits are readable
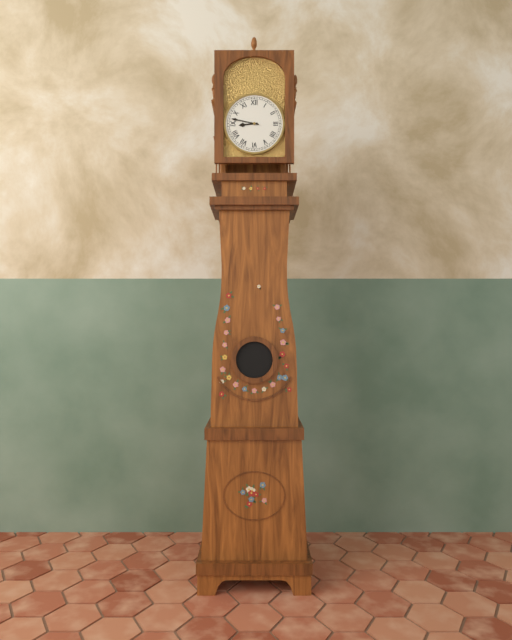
8:47
